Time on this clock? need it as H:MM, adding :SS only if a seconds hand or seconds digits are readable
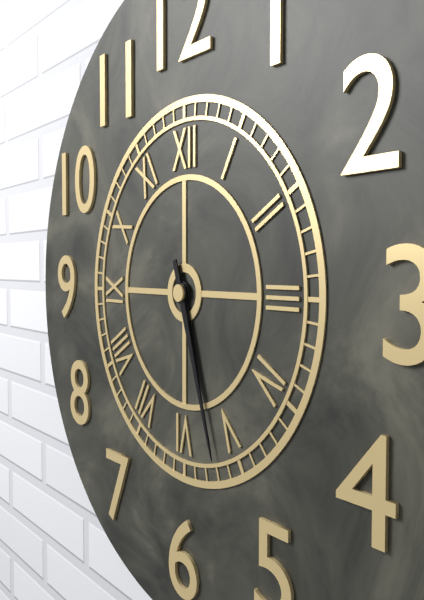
5:27
